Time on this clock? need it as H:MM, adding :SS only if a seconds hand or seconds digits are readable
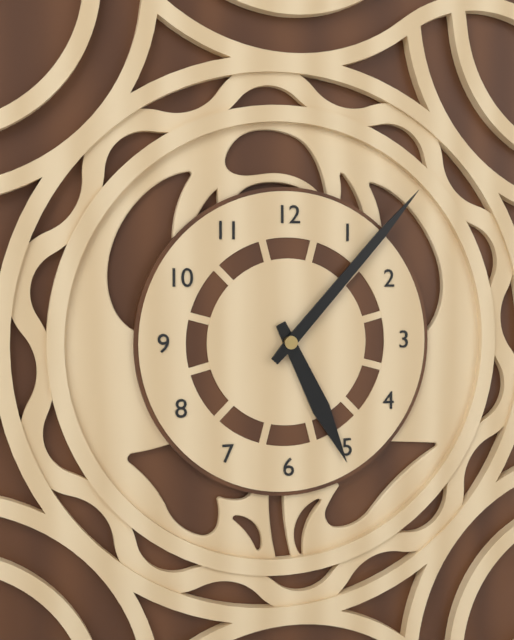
5:07
